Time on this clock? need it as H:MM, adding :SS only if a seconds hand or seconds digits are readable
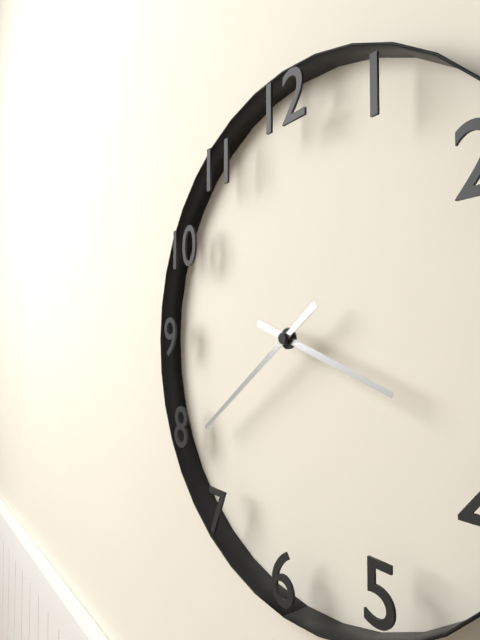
3:39
